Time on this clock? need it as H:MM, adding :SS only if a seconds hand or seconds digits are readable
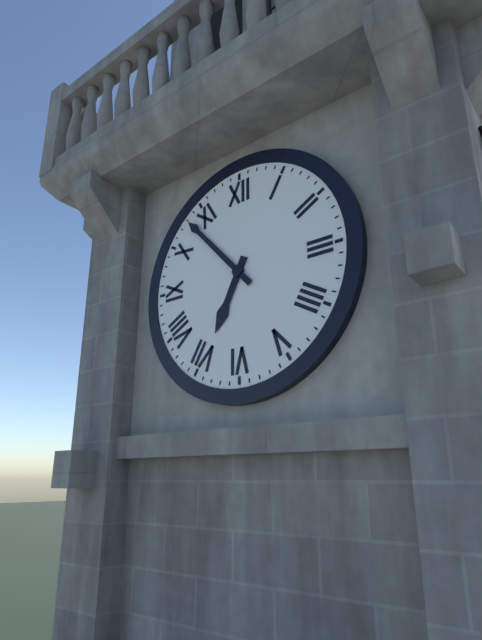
6:53
